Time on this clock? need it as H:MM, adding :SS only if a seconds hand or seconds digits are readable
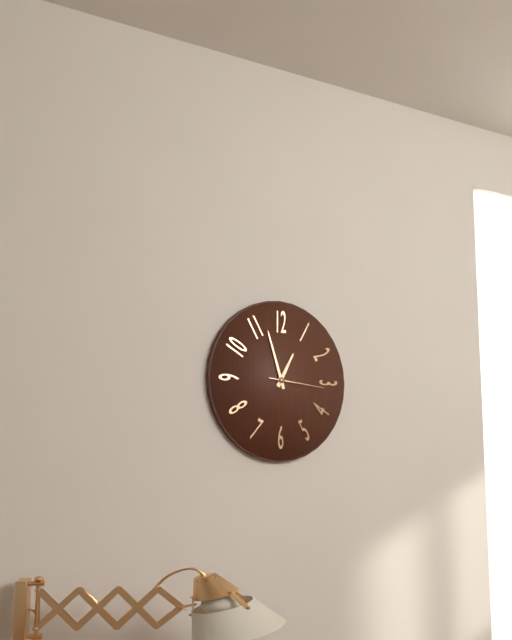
12:57:16
